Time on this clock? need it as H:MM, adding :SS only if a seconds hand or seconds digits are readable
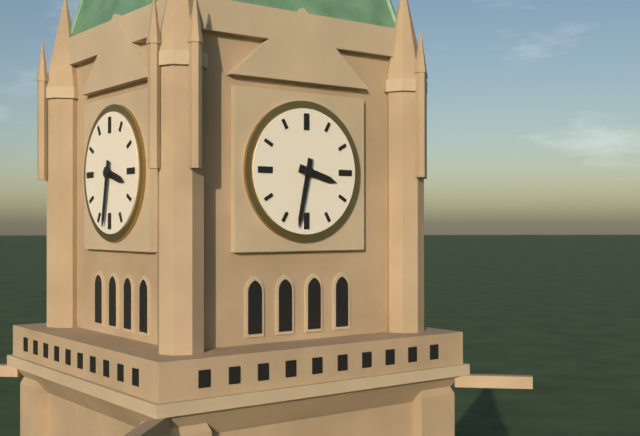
3:32
